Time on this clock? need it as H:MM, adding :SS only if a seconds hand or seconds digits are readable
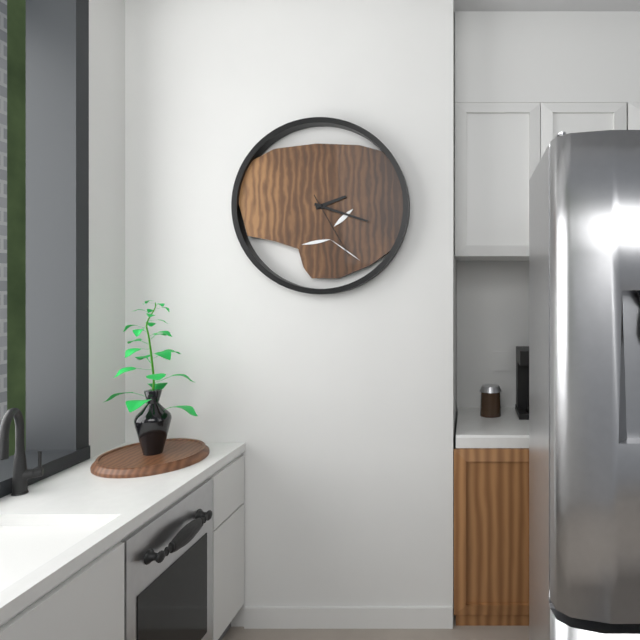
2:18:25
